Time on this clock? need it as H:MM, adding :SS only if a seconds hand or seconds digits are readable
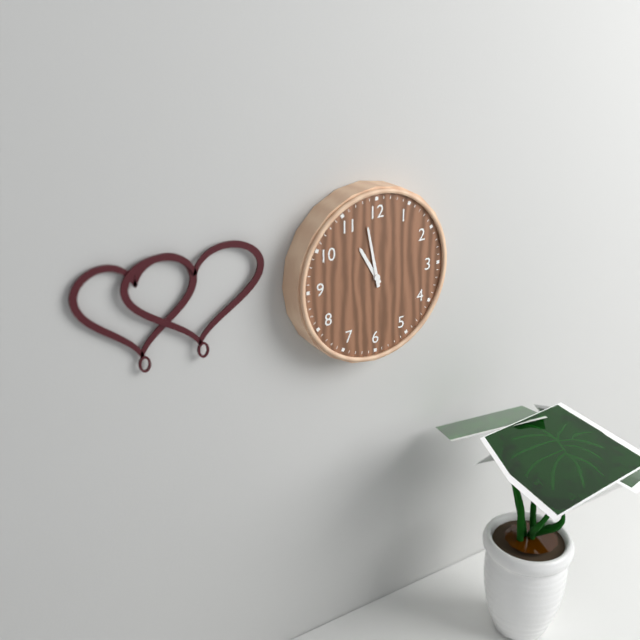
10:58
